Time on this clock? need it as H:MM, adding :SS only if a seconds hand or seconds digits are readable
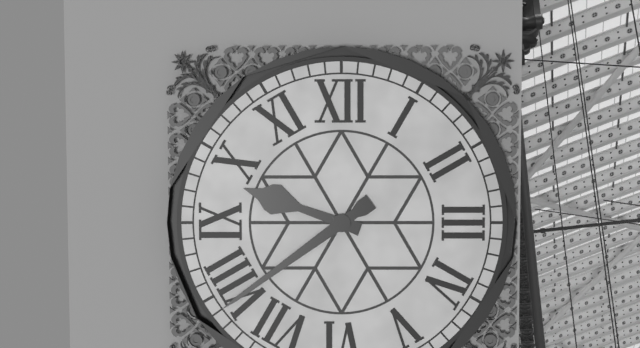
9:39
